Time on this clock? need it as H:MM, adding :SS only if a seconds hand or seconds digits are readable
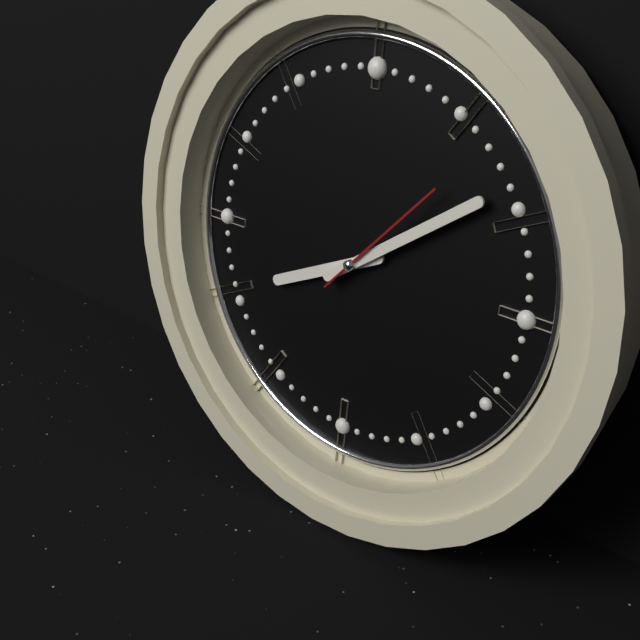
8:09:07
